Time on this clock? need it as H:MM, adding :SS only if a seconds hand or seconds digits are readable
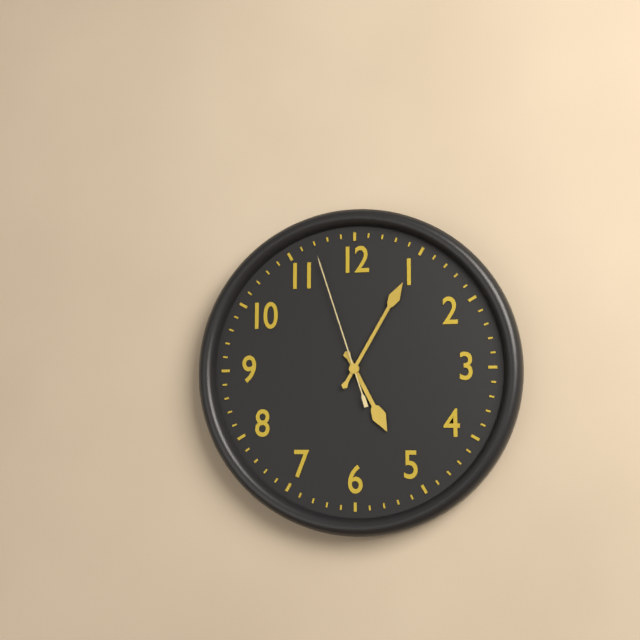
5:05:57
